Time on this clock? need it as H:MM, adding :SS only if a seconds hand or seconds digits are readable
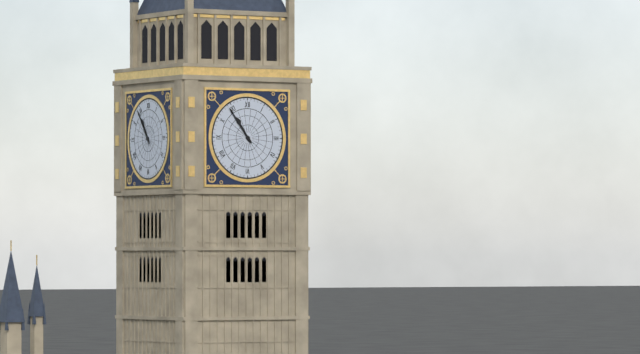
10:54
